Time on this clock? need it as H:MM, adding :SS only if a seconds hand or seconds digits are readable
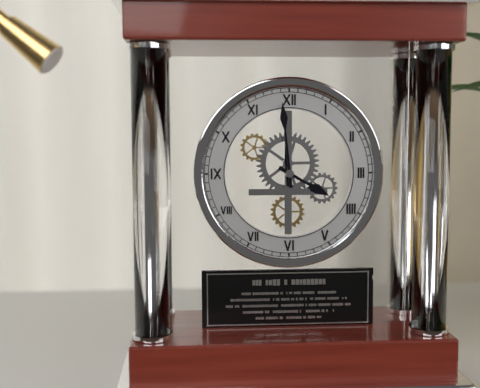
3:59
